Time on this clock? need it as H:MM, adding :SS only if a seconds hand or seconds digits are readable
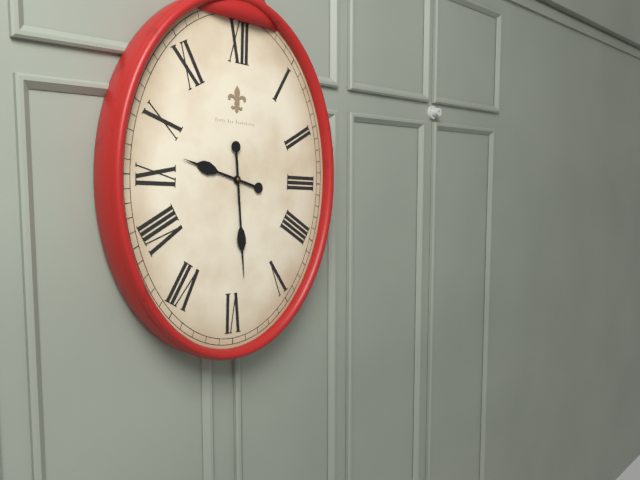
9:29
